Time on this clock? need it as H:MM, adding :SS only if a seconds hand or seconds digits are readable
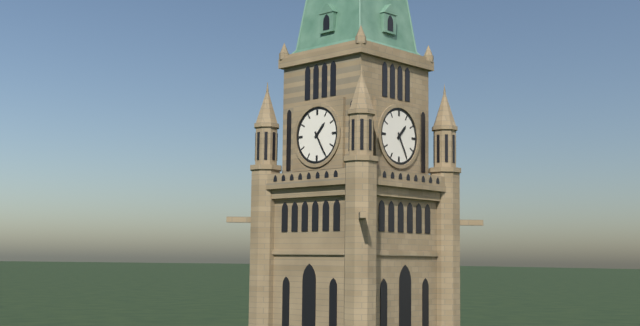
1:25
